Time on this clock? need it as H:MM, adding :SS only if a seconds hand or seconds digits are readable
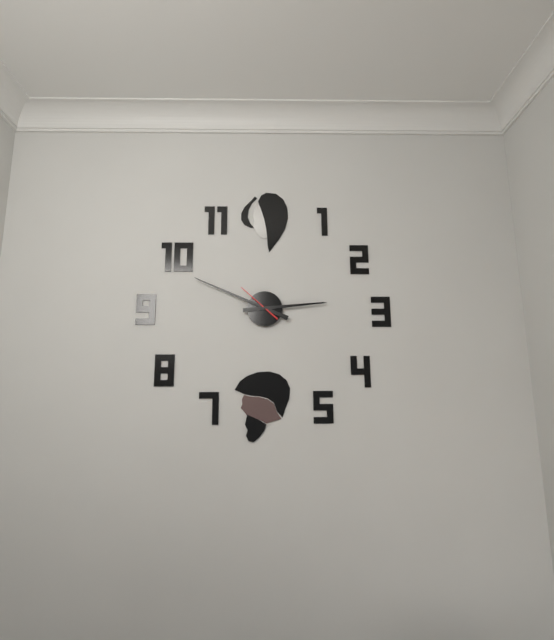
2:49
